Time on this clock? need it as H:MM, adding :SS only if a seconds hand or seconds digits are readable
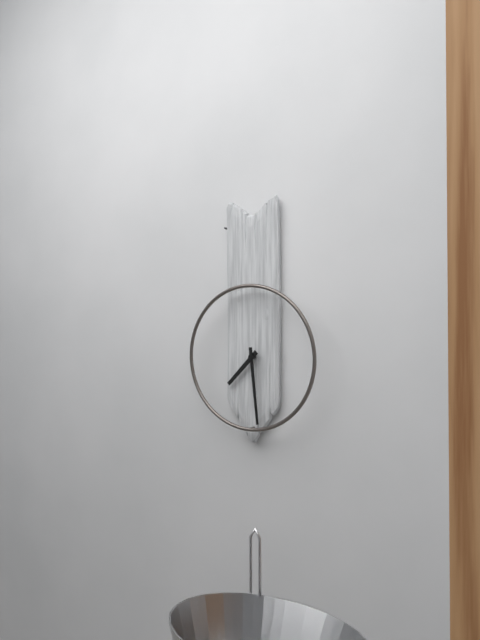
7:29
